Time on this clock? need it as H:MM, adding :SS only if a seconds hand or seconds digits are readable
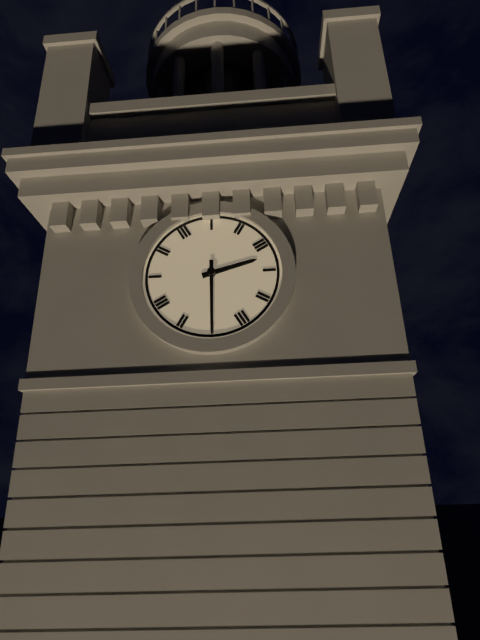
2:30
